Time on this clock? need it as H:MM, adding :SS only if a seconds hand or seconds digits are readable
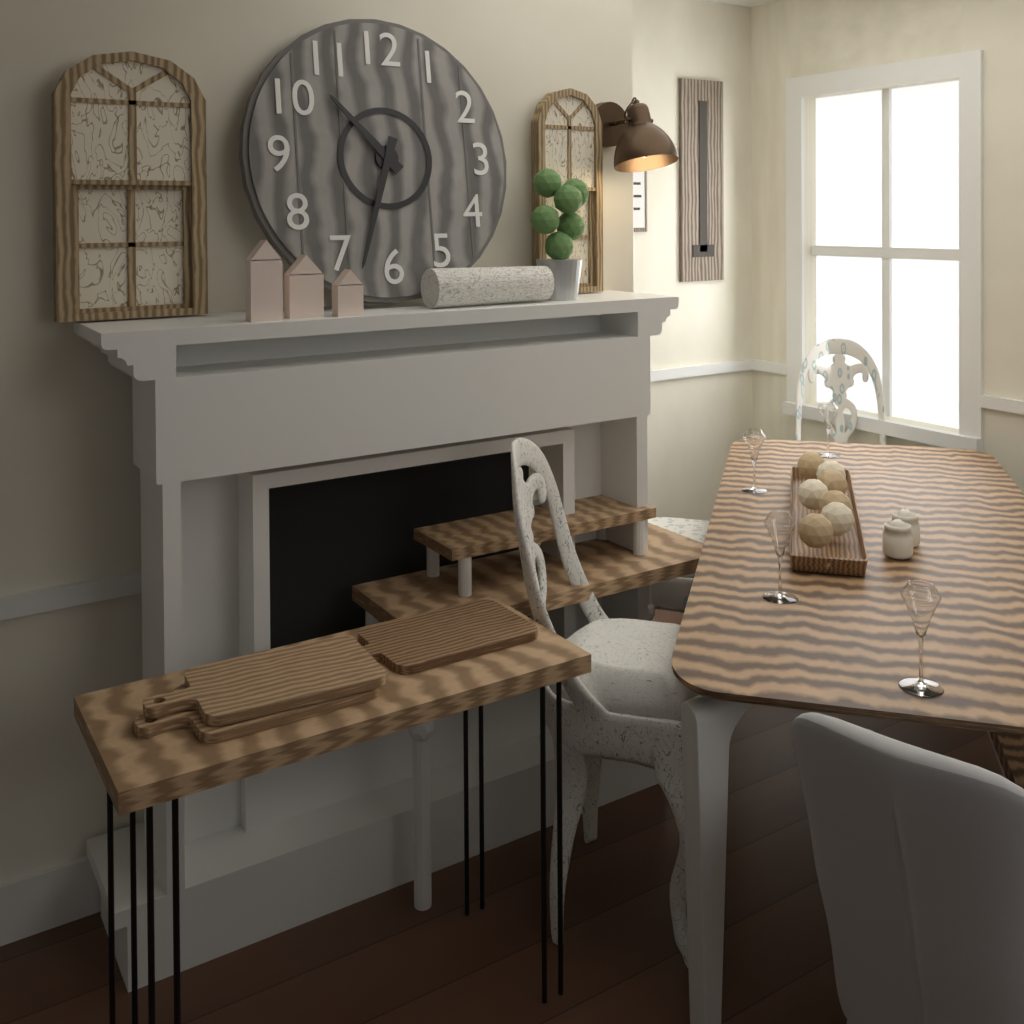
10:33
